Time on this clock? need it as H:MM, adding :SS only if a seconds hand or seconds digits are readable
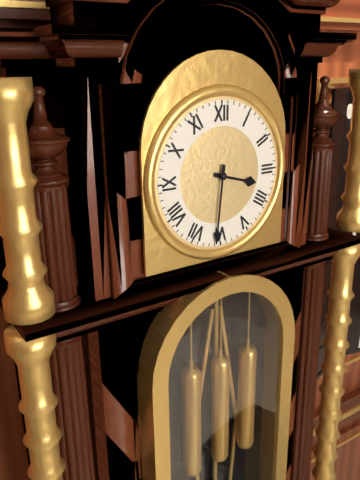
3:31
